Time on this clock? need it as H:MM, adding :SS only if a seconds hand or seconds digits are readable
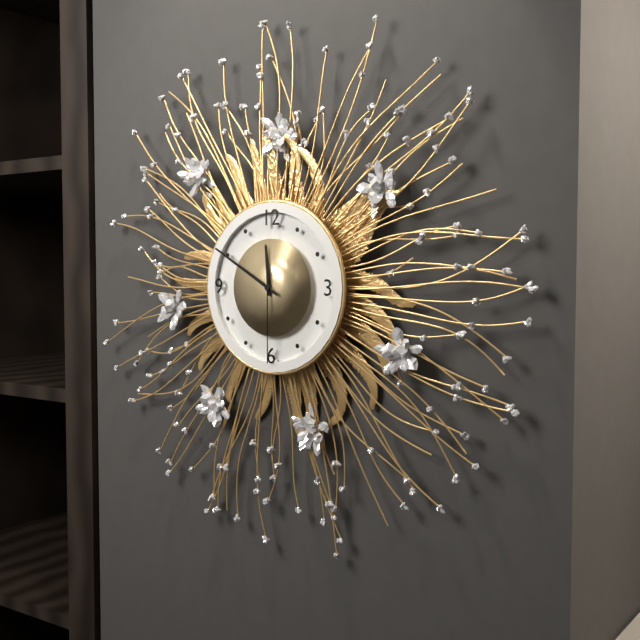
11:50:30
